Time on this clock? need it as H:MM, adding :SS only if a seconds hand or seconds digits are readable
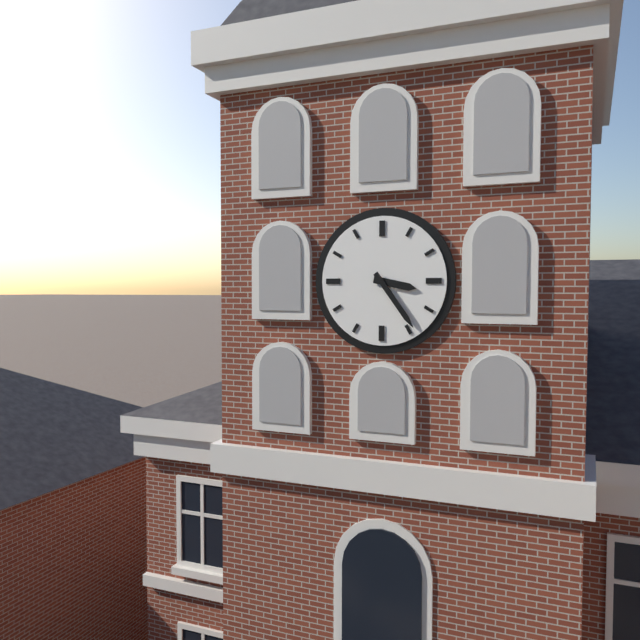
3:24
